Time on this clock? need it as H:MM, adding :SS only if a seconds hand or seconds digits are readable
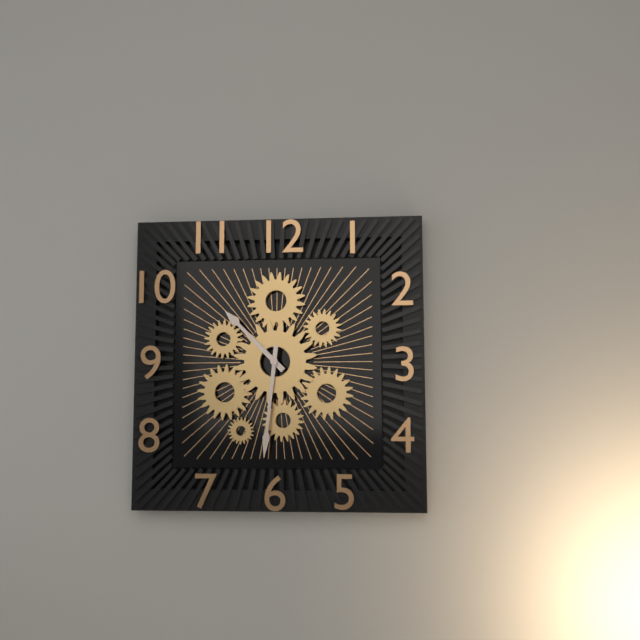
10:31
